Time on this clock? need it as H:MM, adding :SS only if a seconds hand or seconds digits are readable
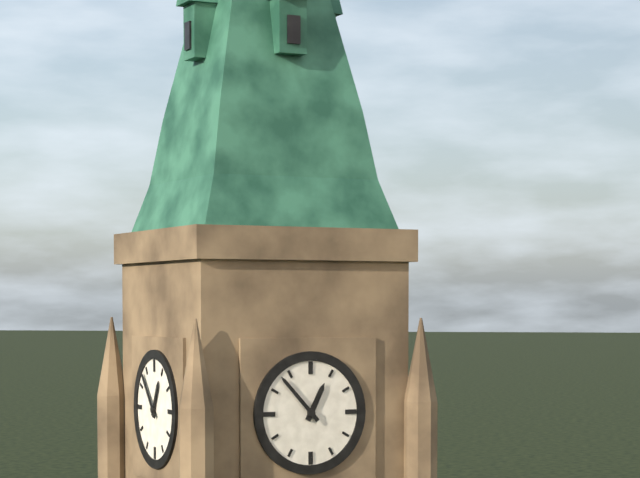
12:53
